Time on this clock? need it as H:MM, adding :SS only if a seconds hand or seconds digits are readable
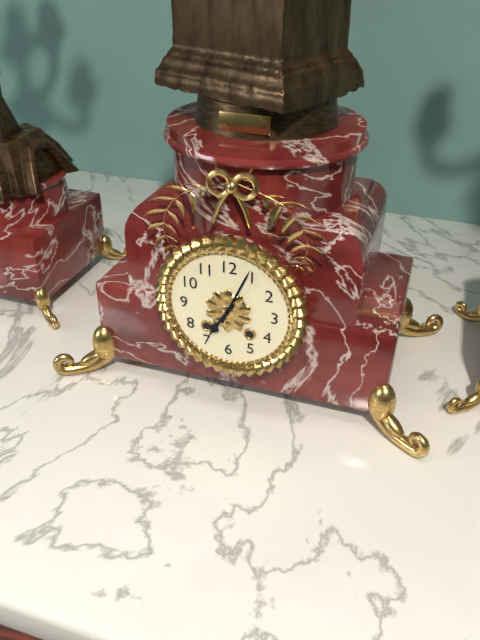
7:04
